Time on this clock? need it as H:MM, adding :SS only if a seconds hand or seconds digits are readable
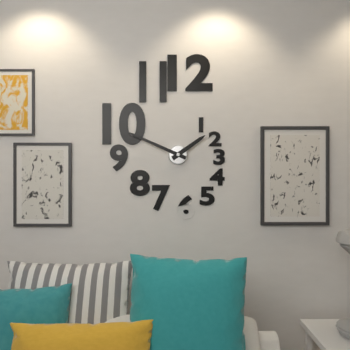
1:49
